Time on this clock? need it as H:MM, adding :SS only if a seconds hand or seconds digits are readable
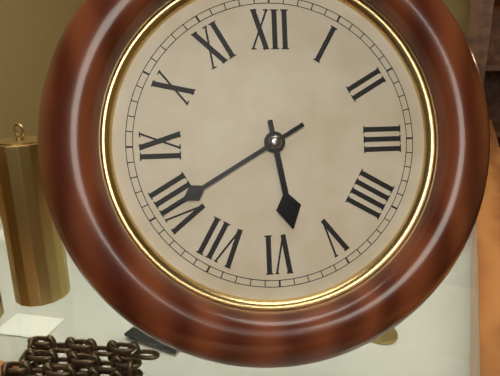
5:40
